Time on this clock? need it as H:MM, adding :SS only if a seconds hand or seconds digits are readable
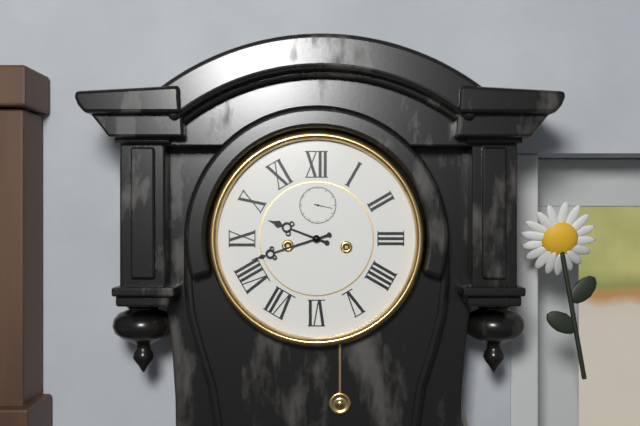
9:42
